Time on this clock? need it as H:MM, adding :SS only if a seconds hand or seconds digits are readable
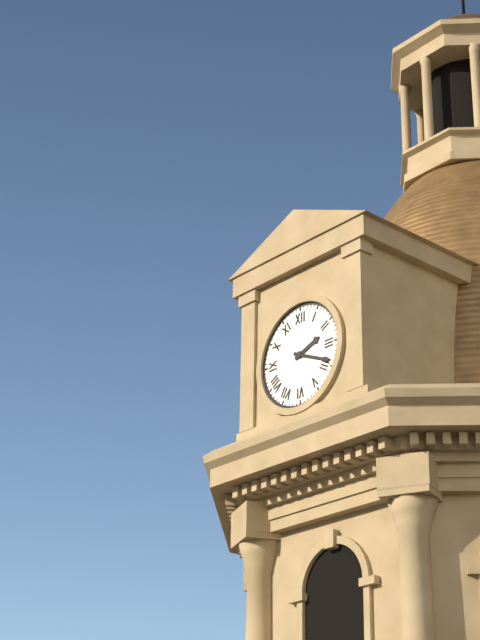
2:19
